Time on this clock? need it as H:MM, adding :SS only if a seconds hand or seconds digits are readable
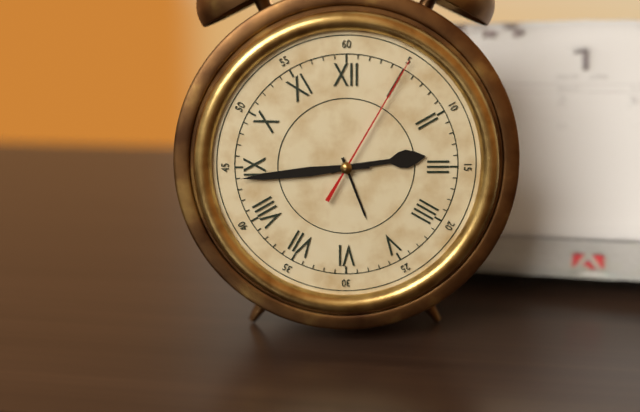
2:44:05
